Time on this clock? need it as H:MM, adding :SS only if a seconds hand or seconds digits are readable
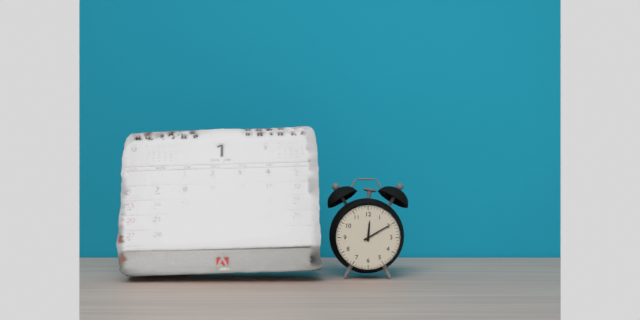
12:10
